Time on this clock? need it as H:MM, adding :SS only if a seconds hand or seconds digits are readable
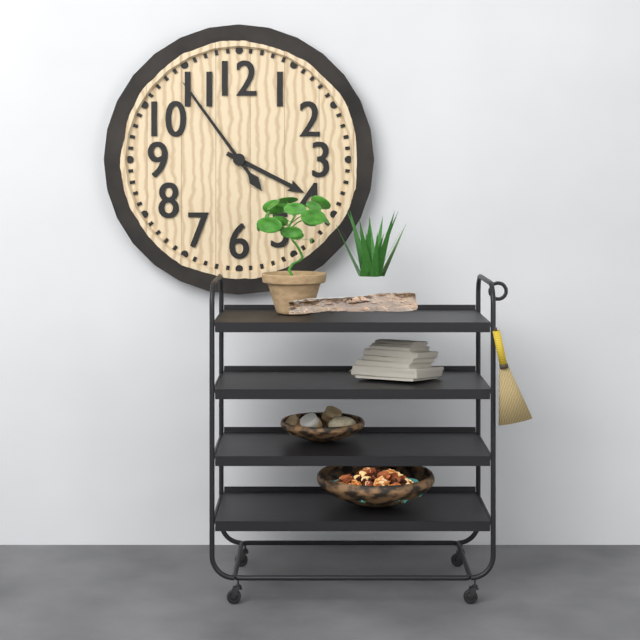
3:54
